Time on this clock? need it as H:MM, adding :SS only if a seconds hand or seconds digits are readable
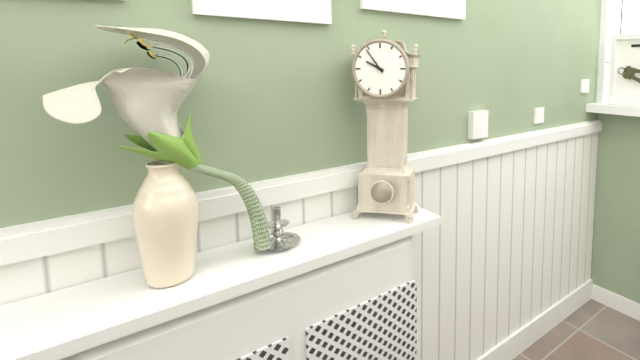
9:54
